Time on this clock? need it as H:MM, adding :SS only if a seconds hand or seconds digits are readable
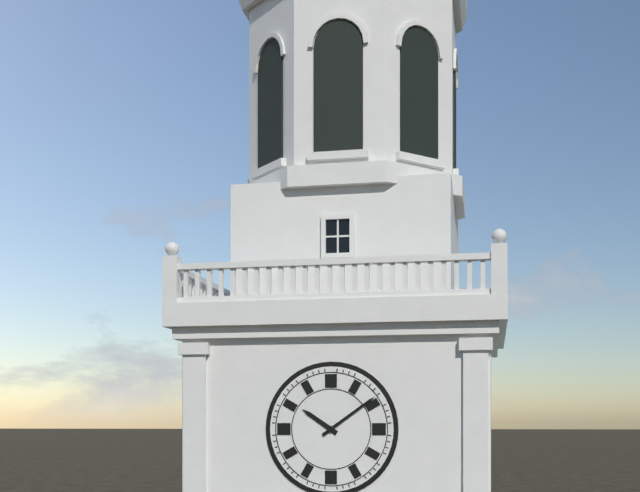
10:09
